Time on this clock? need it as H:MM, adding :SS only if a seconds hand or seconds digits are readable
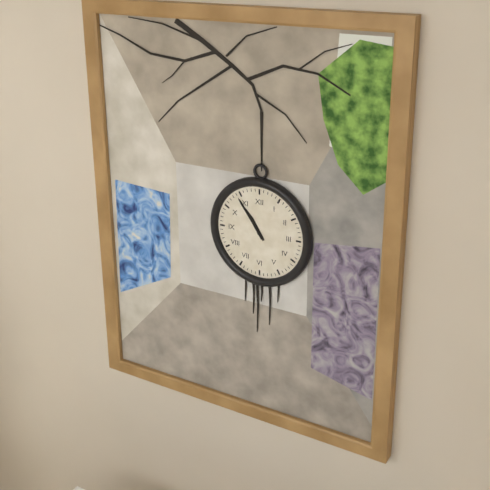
10:54
